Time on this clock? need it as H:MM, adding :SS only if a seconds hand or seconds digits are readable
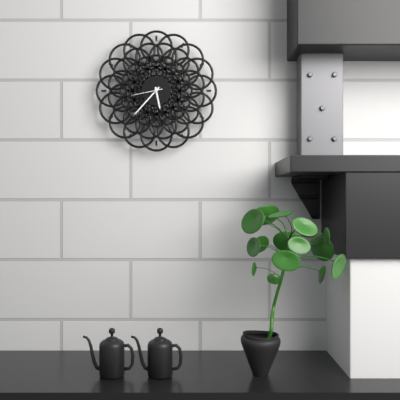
5:37
